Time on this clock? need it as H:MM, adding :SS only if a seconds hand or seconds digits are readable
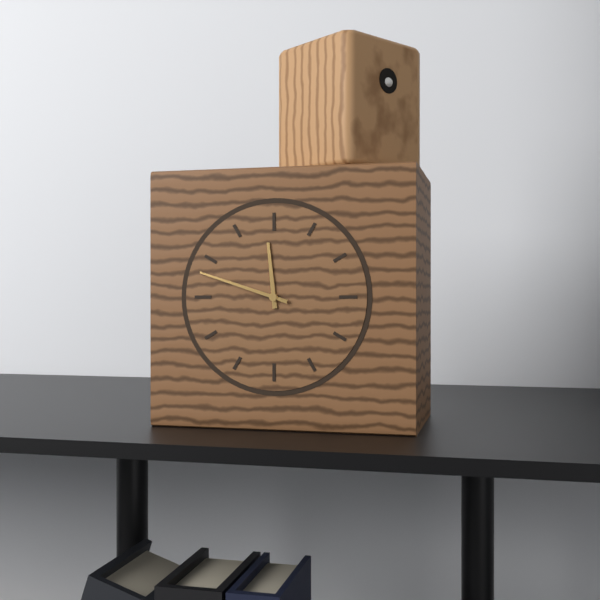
11:48
